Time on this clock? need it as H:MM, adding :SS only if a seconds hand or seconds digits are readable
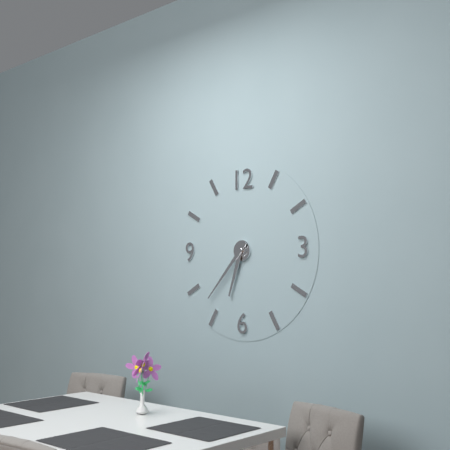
6:37
